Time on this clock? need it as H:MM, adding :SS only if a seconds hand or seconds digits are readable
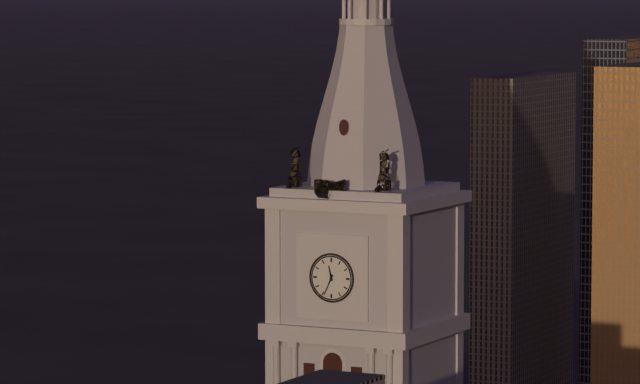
11:34
